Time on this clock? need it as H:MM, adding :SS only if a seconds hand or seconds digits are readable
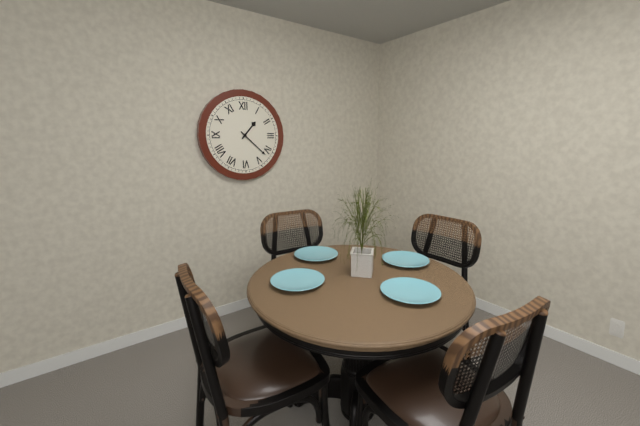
1:22
